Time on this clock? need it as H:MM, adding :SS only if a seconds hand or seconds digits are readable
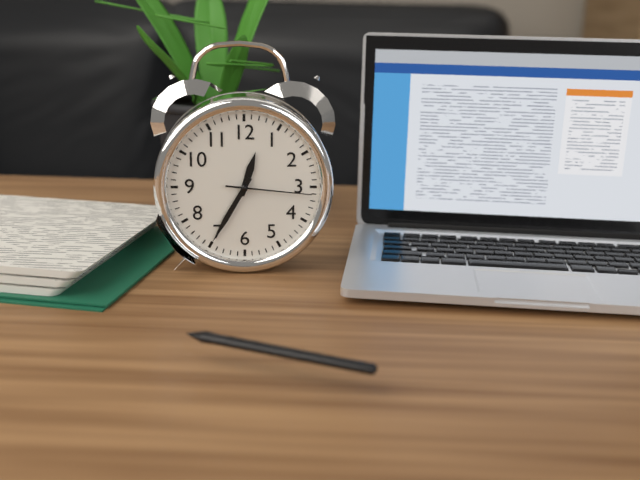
12:35:16
